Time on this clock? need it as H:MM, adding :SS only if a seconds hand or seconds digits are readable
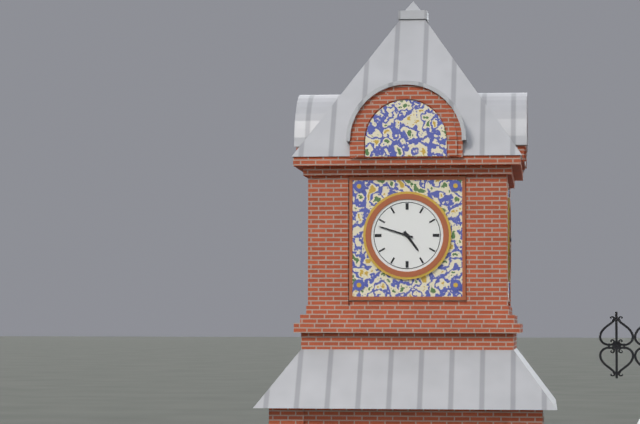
4:48
